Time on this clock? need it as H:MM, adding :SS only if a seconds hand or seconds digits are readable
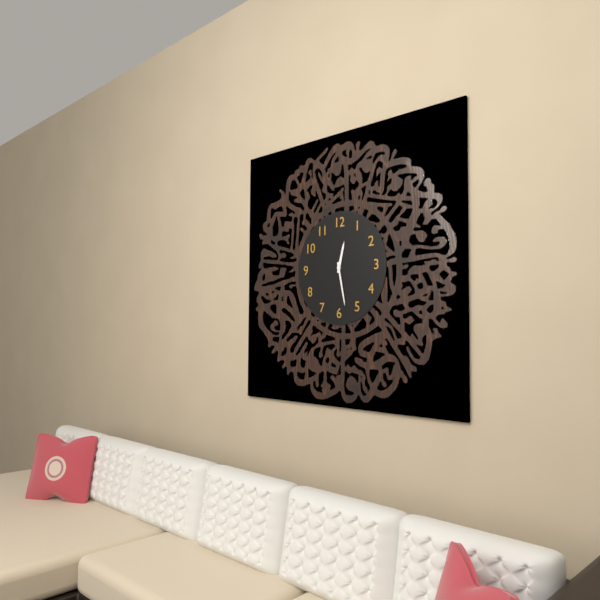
12:28
